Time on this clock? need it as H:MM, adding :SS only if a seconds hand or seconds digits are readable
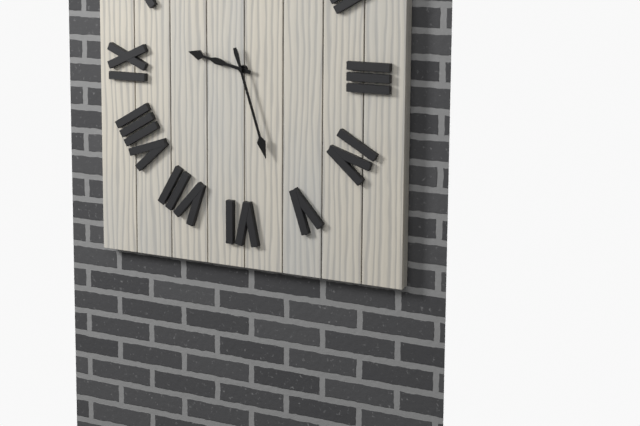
9:27
